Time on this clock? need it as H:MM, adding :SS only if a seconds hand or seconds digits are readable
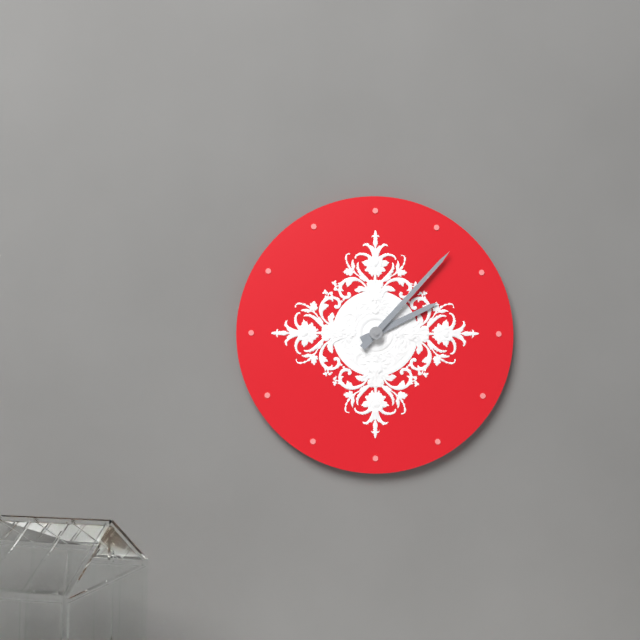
2:07
